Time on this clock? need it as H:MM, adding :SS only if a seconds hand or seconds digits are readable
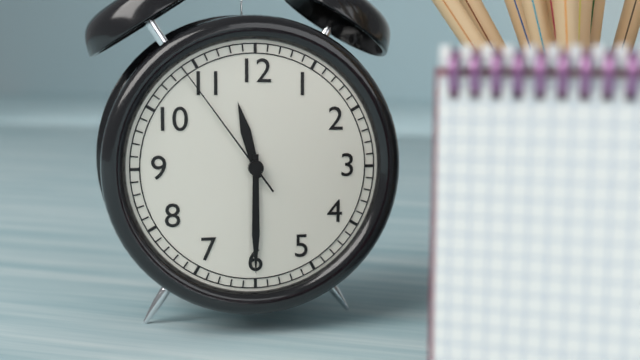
11:30:54
